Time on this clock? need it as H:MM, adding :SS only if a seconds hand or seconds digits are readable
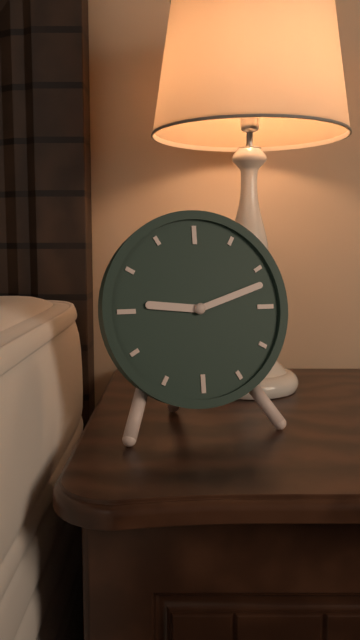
9:12
